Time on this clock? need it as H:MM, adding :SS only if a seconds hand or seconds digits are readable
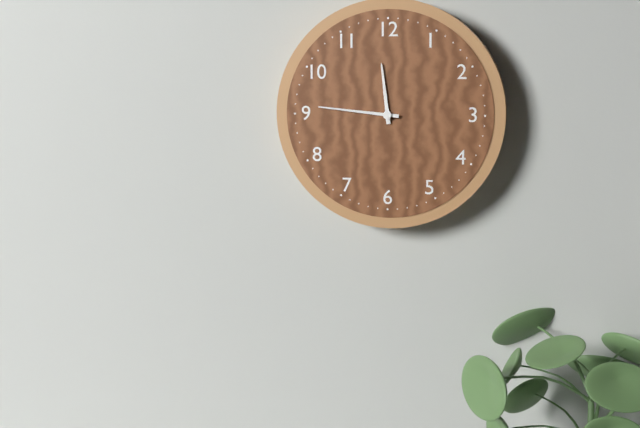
11:46
